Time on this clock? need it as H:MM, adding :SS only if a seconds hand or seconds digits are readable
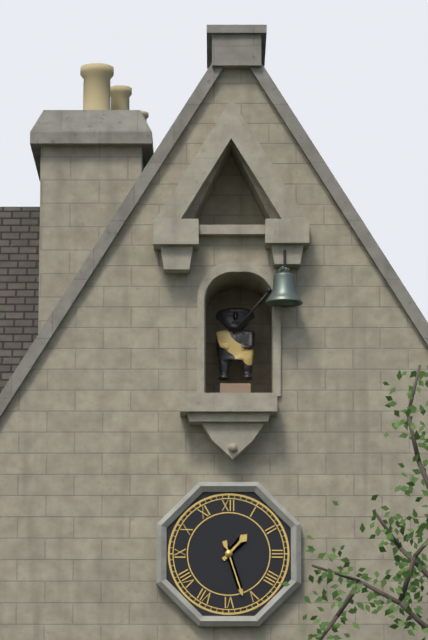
1:27
